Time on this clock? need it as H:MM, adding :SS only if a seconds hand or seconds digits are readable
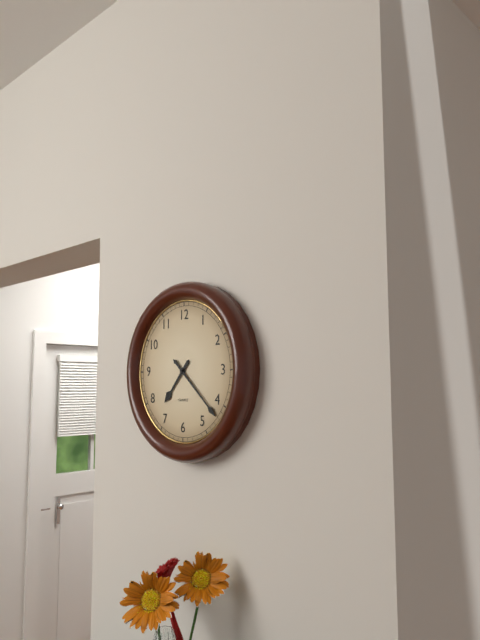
7:22
